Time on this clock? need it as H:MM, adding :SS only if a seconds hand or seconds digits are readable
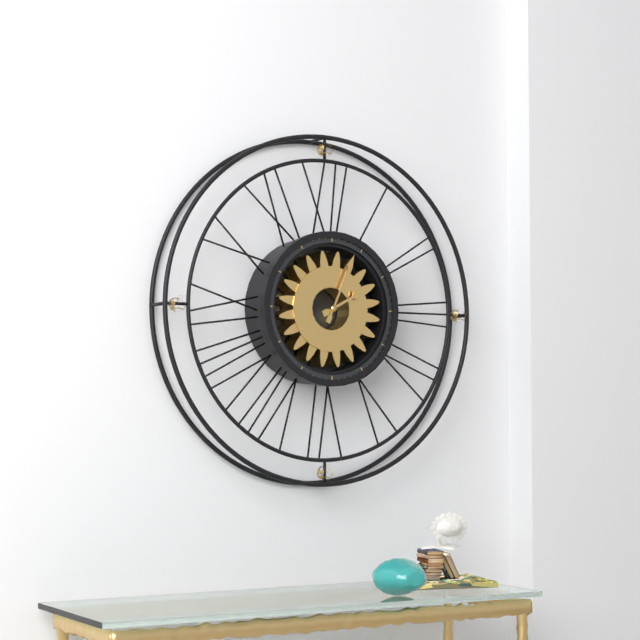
2:04
